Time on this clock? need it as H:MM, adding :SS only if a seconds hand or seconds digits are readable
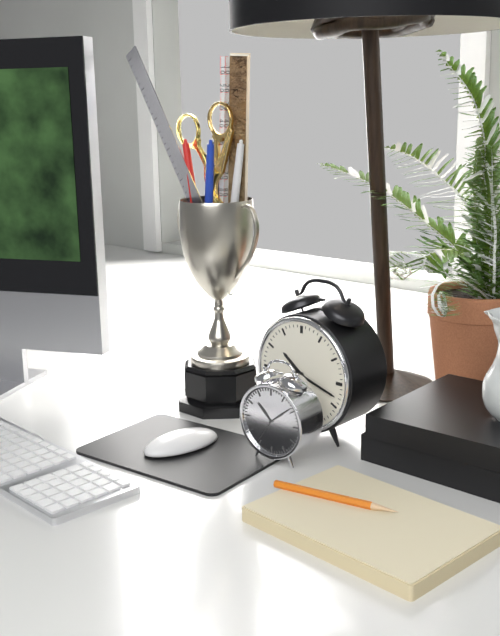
10:18
